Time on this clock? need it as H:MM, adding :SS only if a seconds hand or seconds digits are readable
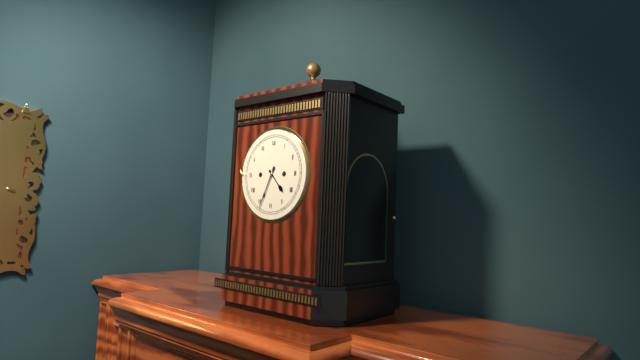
4:34
